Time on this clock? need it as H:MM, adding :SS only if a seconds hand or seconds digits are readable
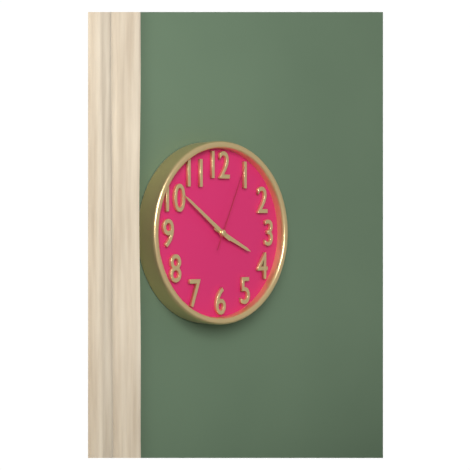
3:51:04
